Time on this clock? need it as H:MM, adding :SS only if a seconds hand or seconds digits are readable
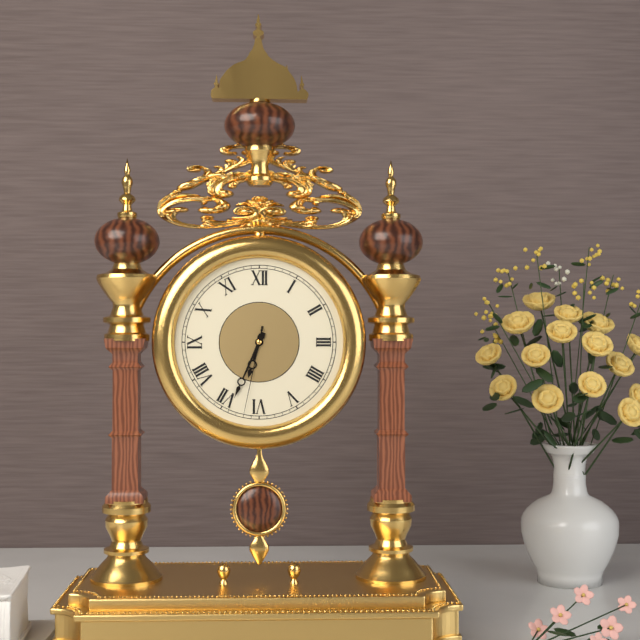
6:34:32
